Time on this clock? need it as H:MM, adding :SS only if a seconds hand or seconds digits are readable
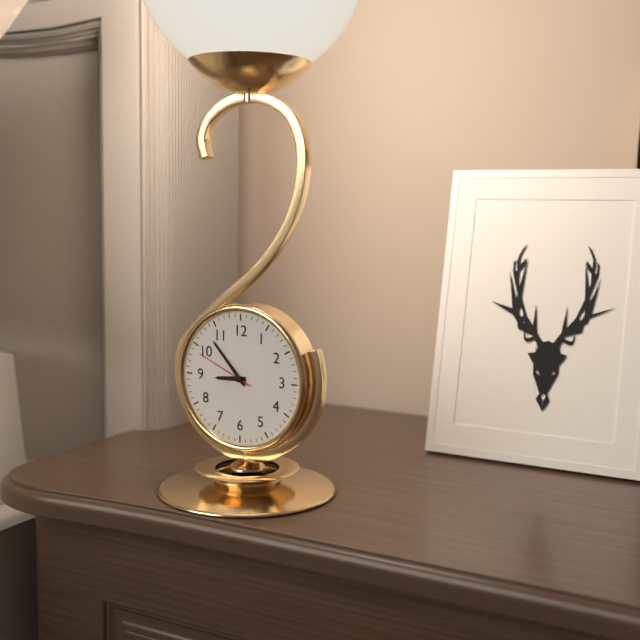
8:53:49
